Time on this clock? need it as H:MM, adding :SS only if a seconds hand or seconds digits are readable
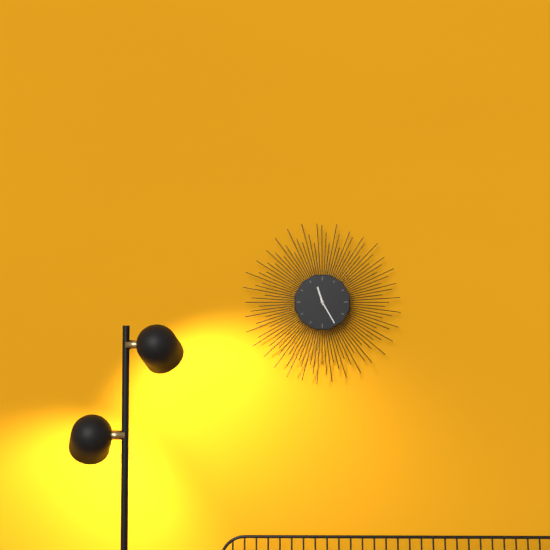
11:25
